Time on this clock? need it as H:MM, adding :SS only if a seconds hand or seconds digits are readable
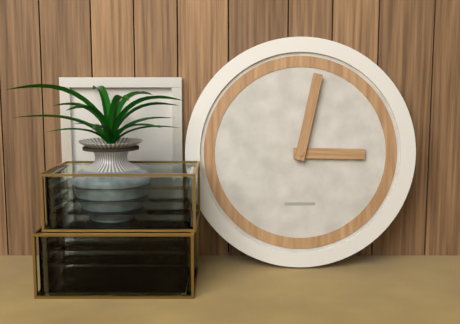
3:02
